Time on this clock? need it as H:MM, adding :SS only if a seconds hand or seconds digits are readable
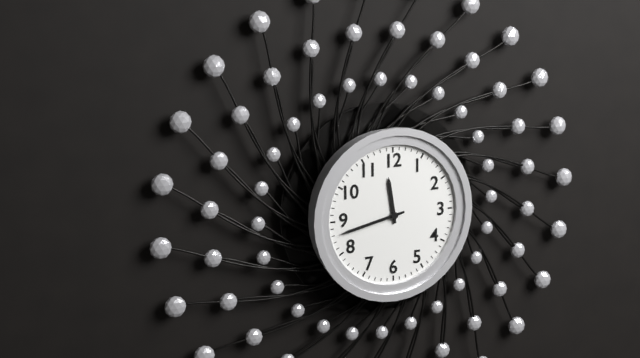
11:43
